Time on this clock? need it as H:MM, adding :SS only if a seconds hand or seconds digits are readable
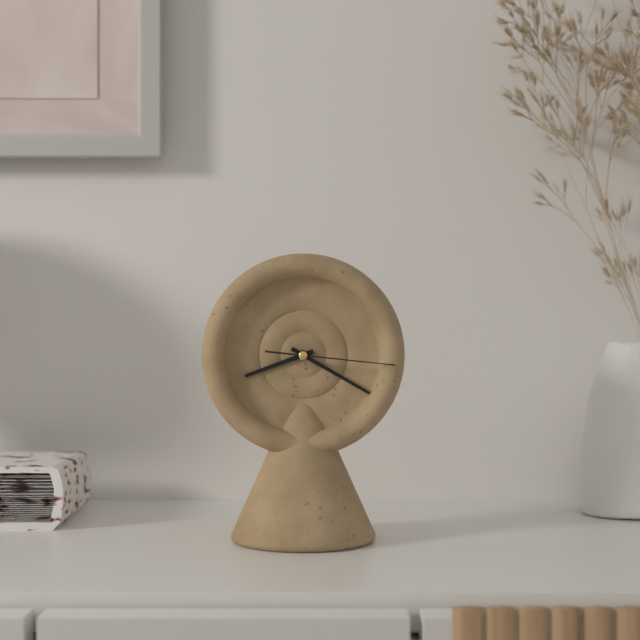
8:20:16
